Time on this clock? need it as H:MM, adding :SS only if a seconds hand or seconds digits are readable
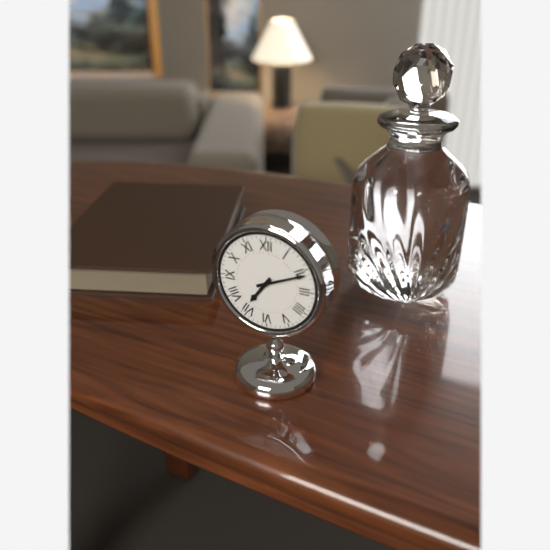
7:11
